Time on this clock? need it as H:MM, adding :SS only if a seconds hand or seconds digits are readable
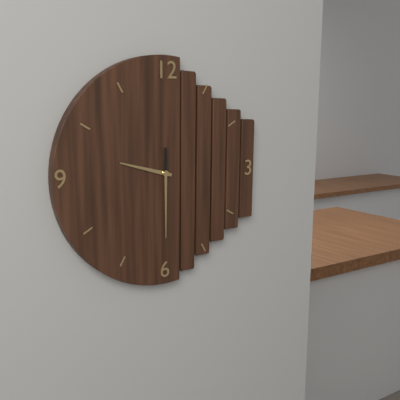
9:30
